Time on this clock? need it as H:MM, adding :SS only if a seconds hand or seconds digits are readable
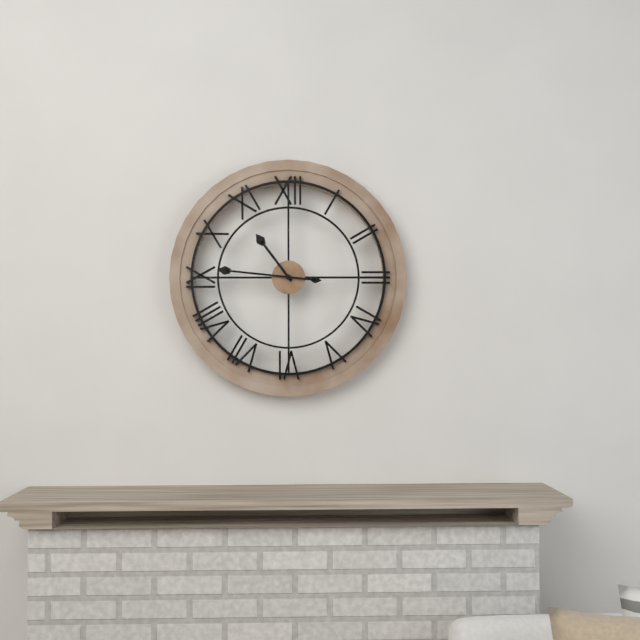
10:46
